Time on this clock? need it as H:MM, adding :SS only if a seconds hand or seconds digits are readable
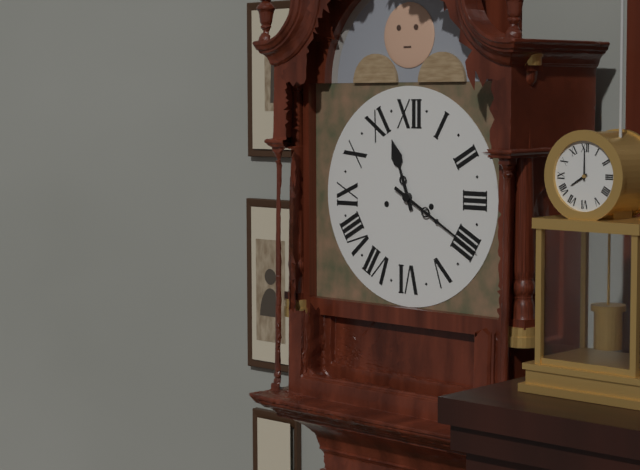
11:20
